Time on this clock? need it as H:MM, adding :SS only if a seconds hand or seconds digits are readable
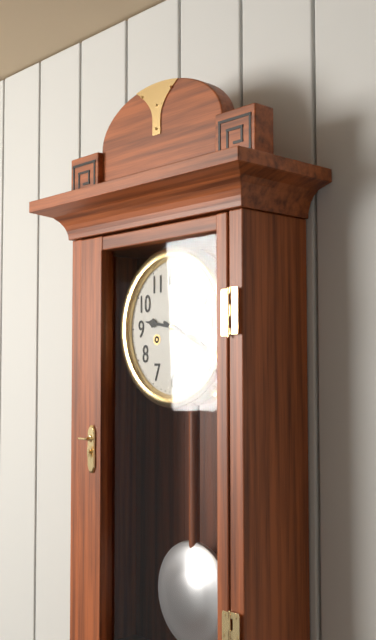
9:19
